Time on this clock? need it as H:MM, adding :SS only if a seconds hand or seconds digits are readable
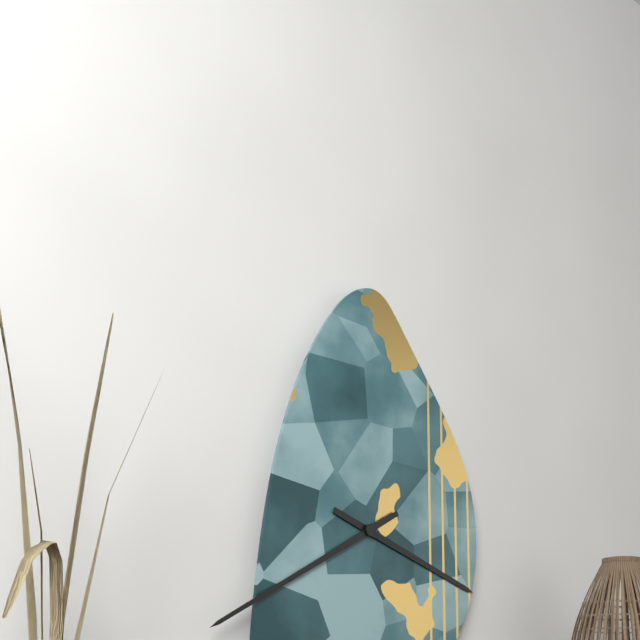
3:40
